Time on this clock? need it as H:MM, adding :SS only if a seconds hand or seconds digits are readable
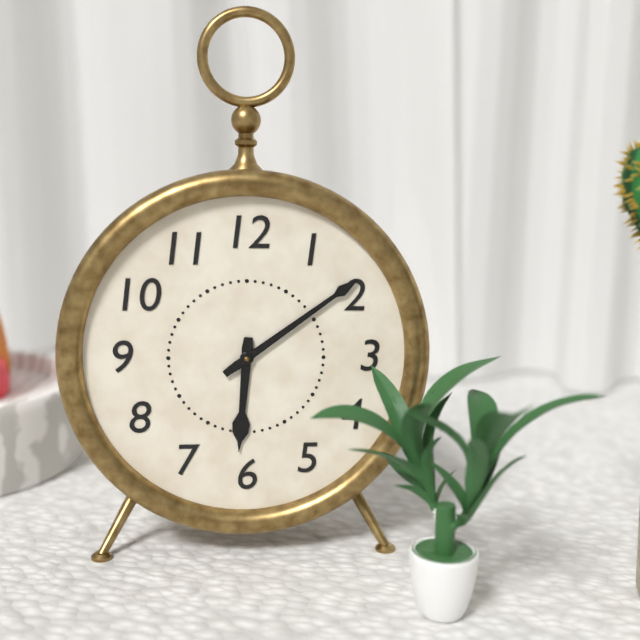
6:09
